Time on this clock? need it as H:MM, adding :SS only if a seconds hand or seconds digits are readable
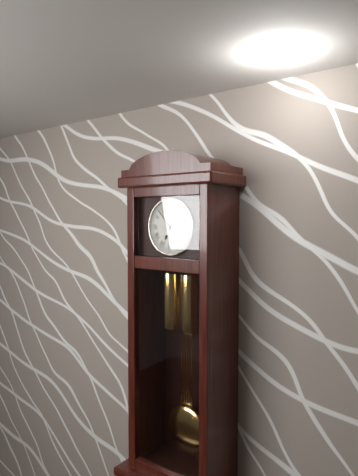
6:53
